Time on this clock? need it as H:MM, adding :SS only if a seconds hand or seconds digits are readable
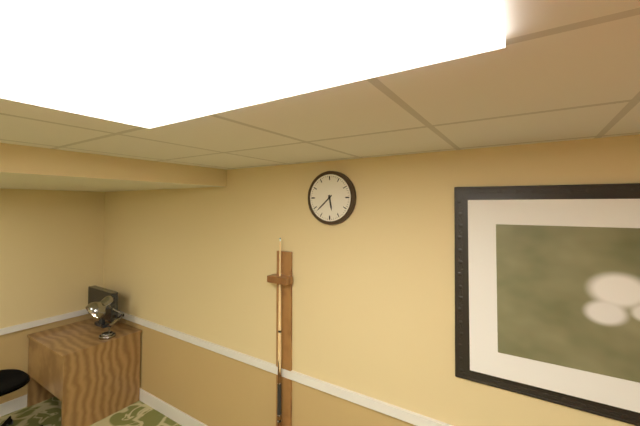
5:38
